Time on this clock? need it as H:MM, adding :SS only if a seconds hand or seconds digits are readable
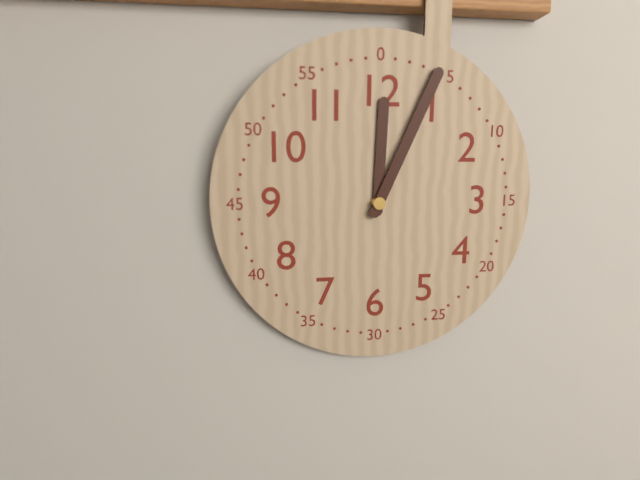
12:04
